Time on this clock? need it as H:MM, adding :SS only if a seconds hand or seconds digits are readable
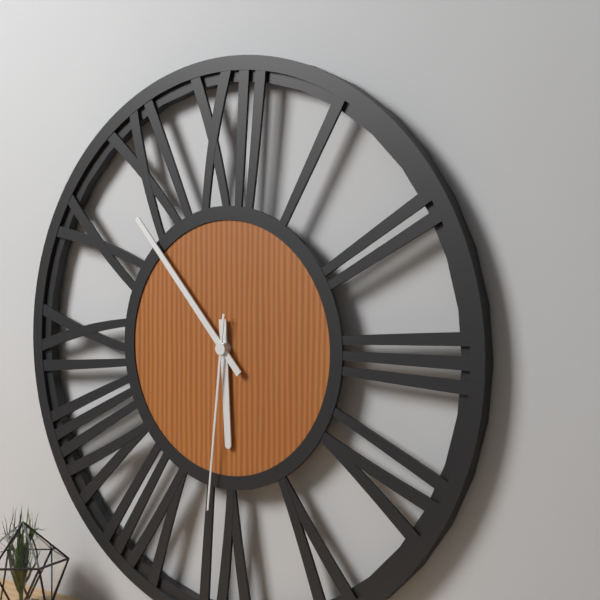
5:53:31
